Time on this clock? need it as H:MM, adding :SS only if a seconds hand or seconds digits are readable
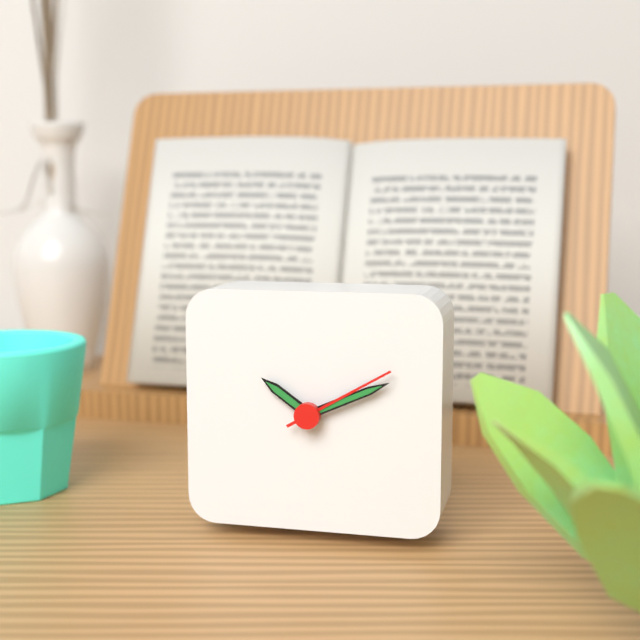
10:11:10
